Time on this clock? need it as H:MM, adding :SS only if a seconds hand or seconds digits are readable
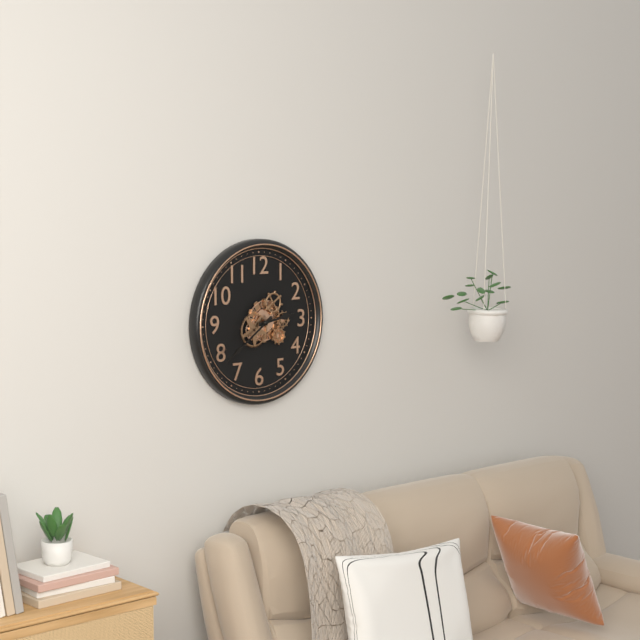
2:39
